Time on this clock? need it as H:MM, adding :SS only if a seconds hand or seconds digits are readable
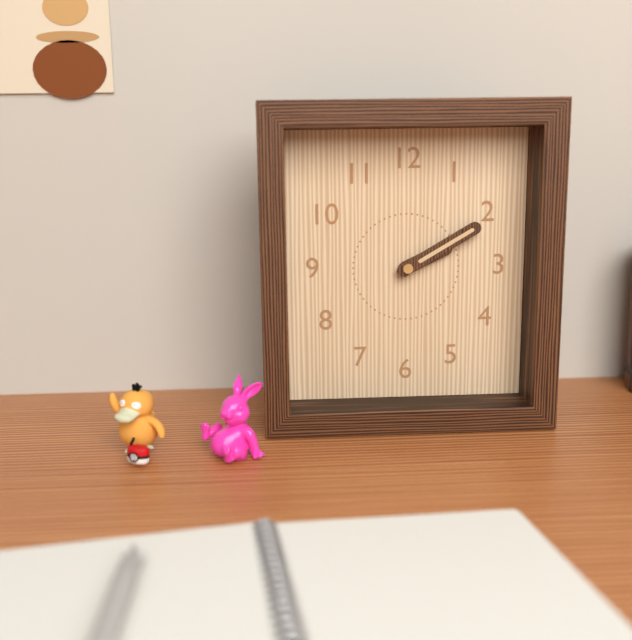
2:10
